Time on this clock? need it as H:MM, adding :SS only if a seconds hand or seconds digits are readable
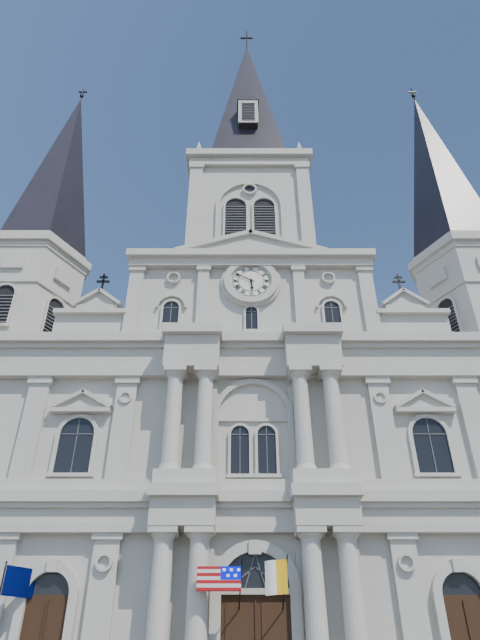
5:50
